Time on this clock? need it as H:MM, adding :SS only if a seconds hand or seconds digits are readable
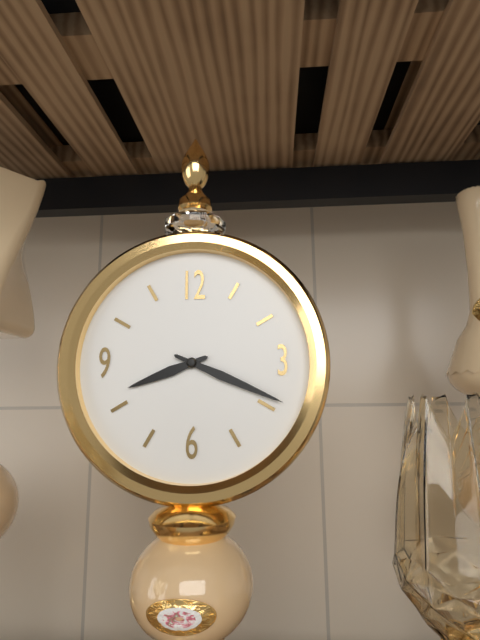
8:19
